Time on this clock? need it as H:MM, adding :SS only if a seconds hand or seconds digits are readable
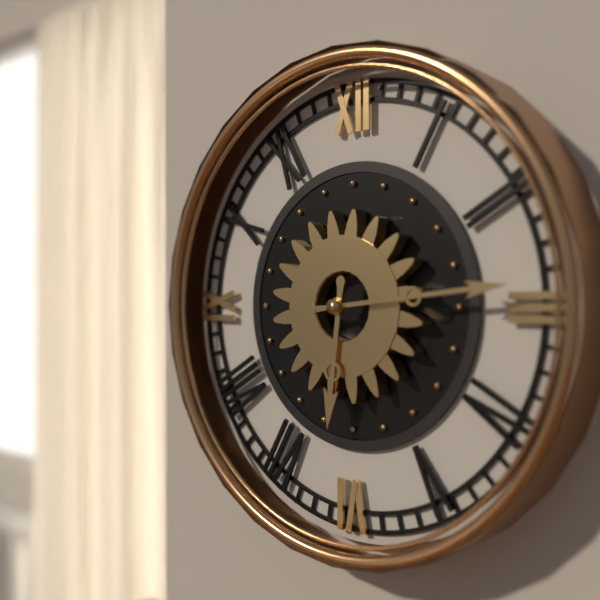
6:14
